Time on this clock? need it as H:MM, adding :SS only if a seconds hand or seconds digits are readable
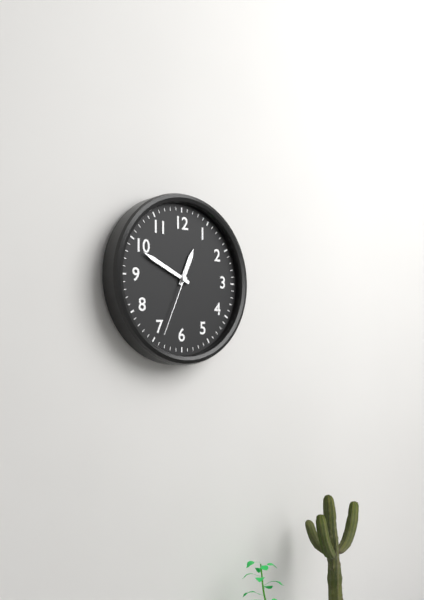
12:49:34
